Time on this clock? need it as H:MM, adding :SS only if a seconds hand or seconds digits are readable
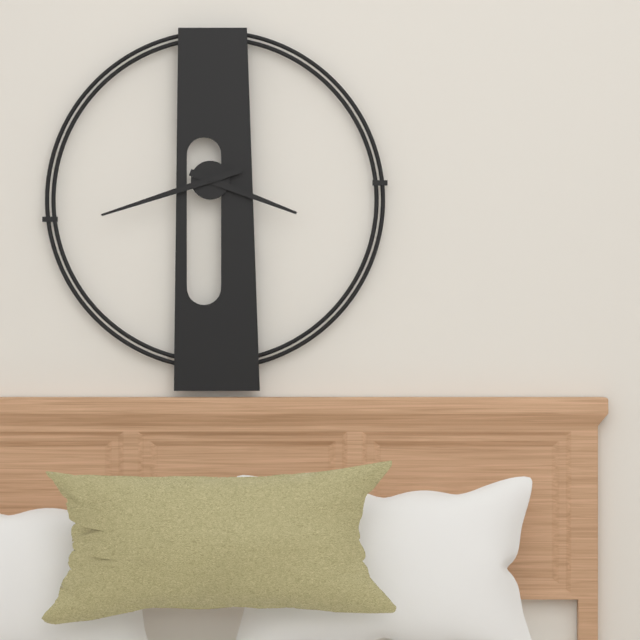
3:42
